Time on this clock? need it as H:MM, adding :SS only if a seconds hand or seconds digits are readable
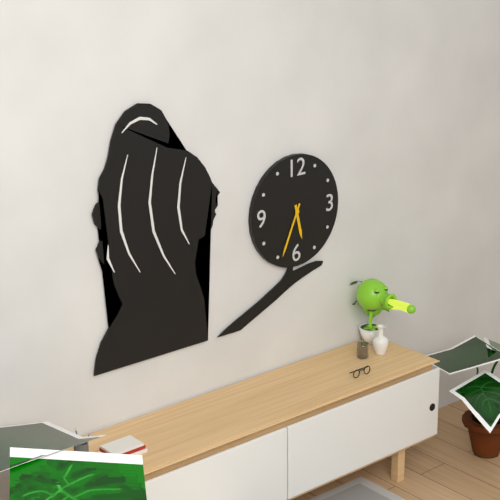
5:34
